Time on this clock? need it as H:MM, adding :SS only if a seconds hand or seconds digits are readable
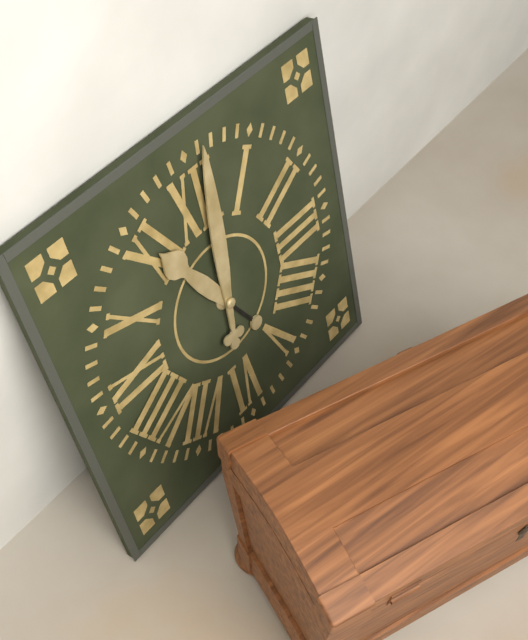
11:01
